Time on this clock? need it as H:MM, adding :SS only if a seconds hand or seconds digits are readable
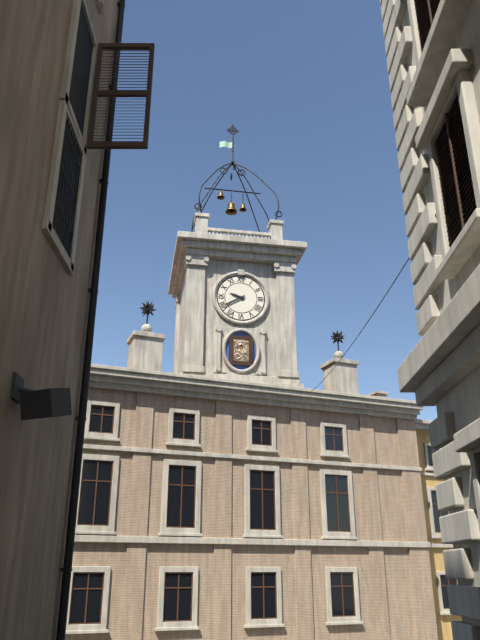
9:40
